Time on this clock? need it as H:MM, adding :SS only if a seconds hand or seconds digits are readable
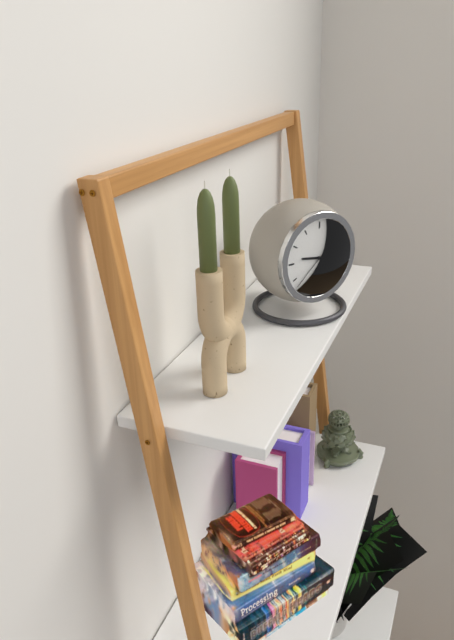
9:18
